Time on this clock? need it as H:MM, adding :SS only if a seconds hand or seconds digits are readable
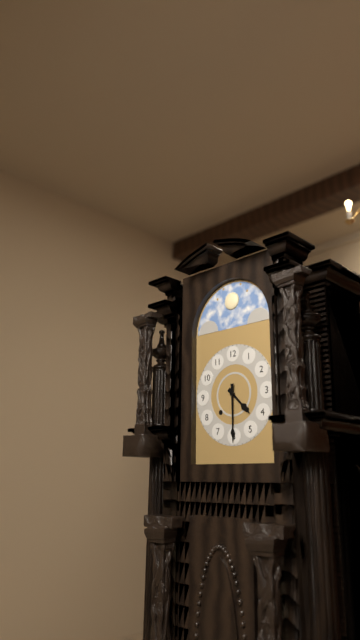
4:30
